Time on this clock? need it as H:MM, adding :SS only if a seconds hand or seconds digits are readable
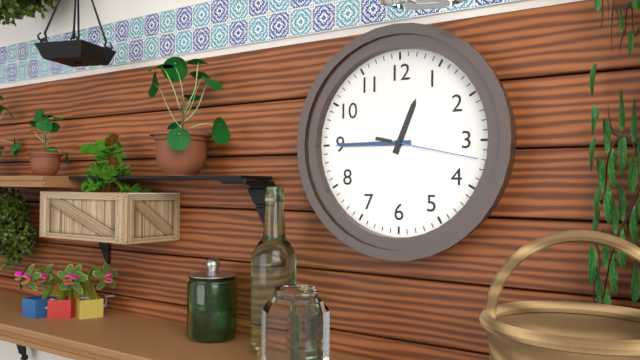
12:45:17
